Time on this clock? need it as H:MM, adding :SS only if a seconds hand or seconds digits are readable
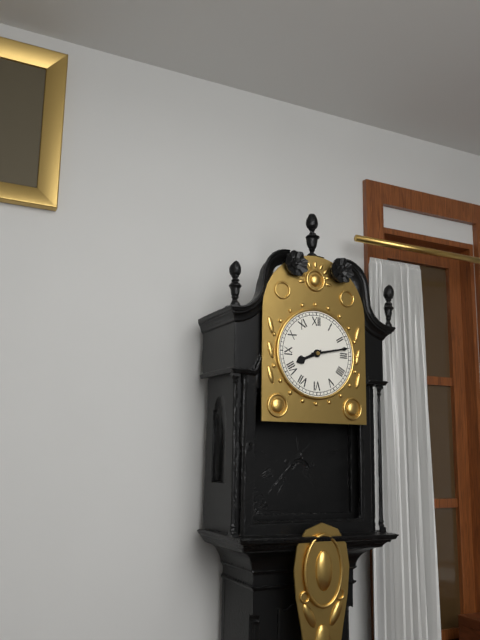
8:13
